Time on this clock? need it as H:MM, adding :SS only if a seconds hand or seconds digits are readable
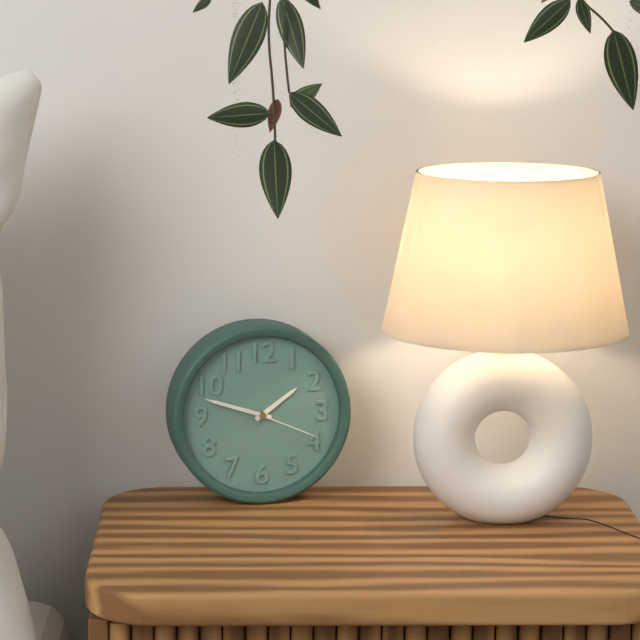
1:48:19
